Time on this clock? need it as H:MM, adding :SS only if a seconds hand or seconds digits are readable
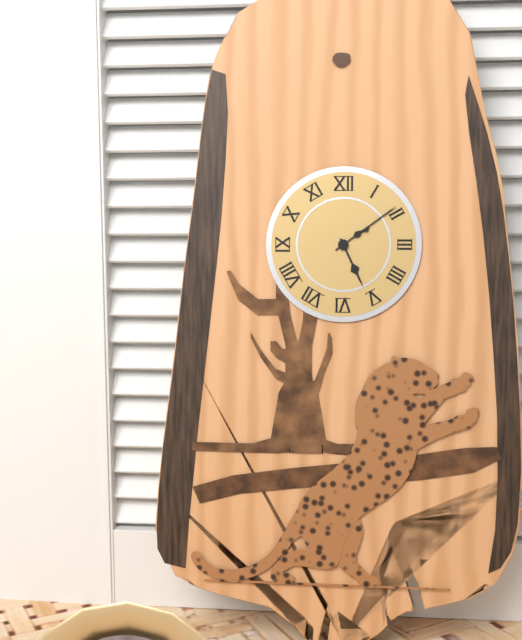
5:09
